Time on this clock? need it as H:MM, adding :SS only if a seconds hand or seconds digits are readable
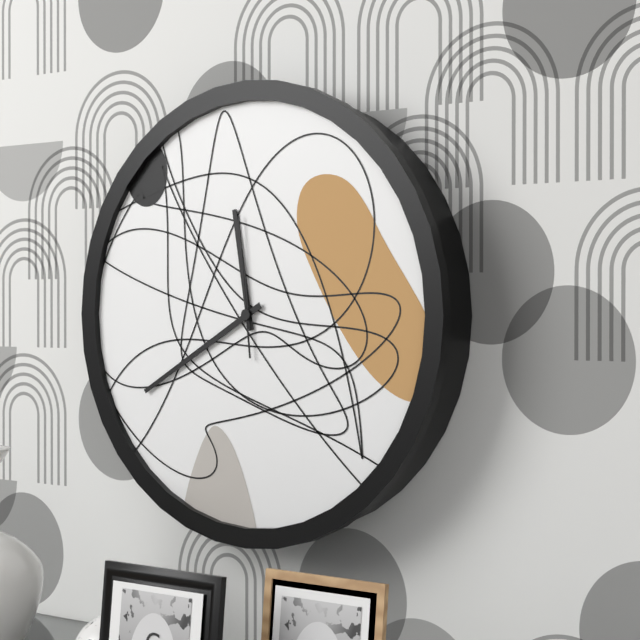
11:40:59
